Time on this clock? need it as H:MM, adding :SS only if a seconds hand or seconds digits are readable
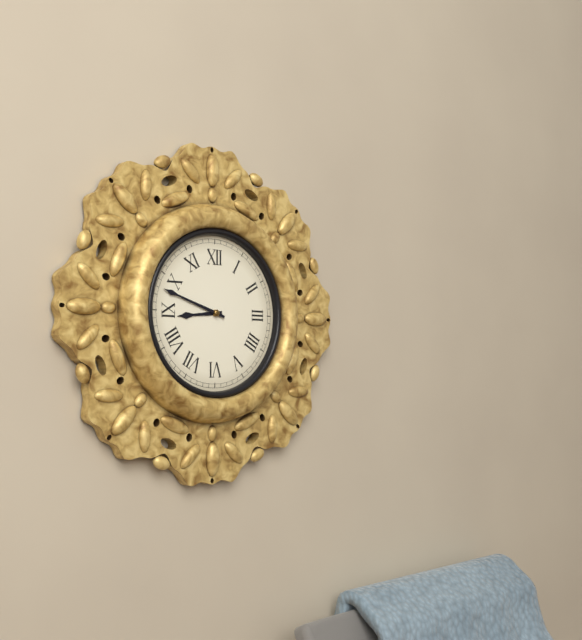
8:48
